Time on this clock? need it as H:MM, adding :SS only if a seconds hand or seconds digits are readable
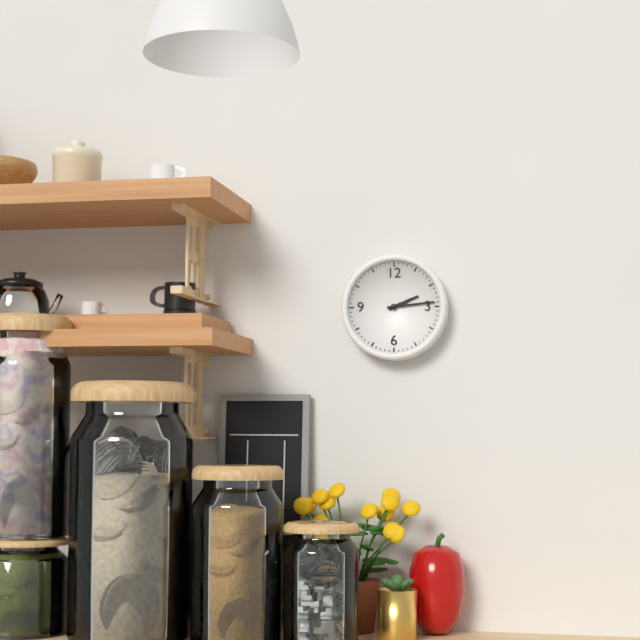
2:14
